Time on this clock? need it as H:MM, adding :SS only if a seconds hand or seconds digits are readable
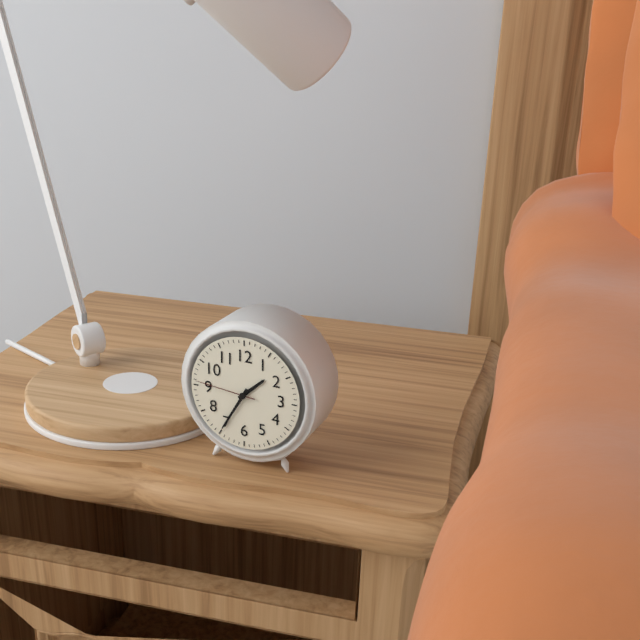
1:35:46
